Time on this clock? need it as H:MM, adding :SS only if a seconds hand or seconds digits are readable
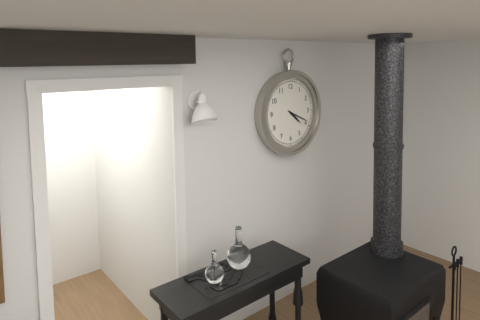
4:19
